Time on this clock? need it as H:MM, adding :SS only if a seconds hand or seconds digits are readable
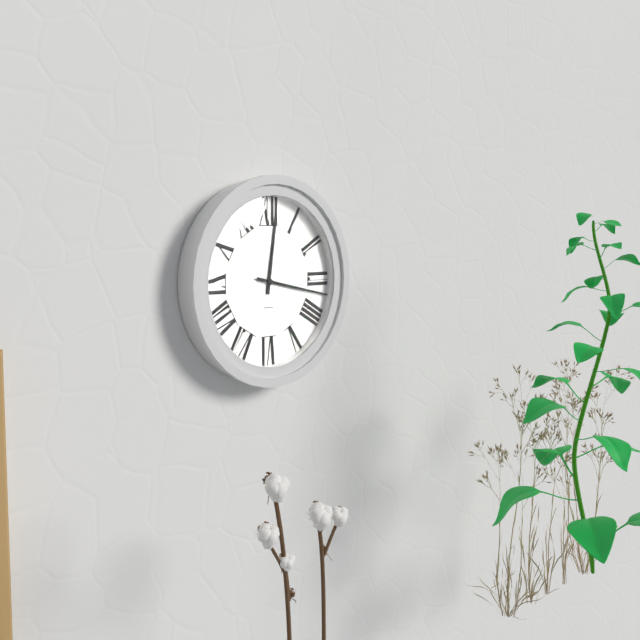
12:17
